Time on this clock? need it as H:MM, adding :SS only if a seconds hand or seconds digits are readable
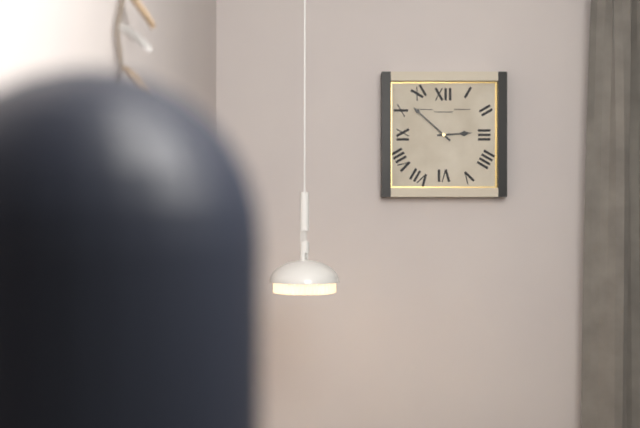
2:52
